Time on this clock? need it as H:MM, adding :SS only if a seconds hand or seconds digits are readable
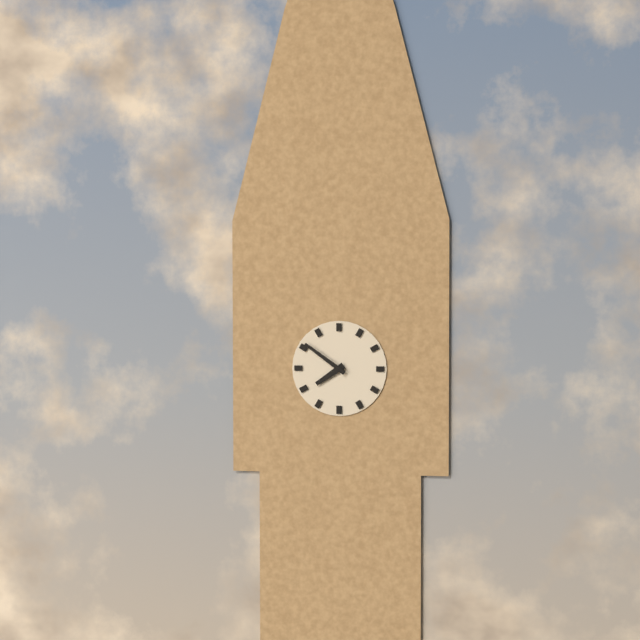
7:51
